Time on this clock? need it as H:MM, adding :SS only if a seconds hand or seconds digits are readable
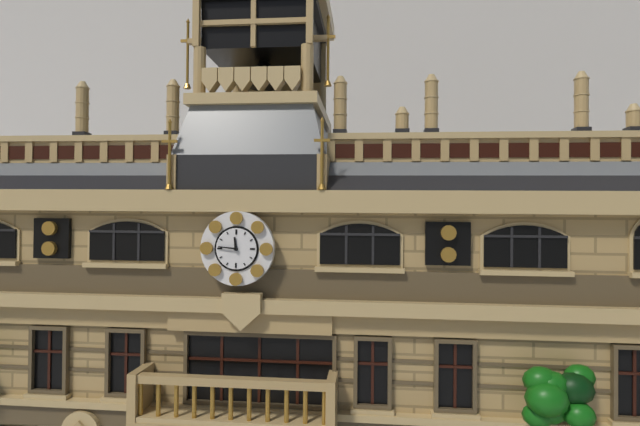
11:46
